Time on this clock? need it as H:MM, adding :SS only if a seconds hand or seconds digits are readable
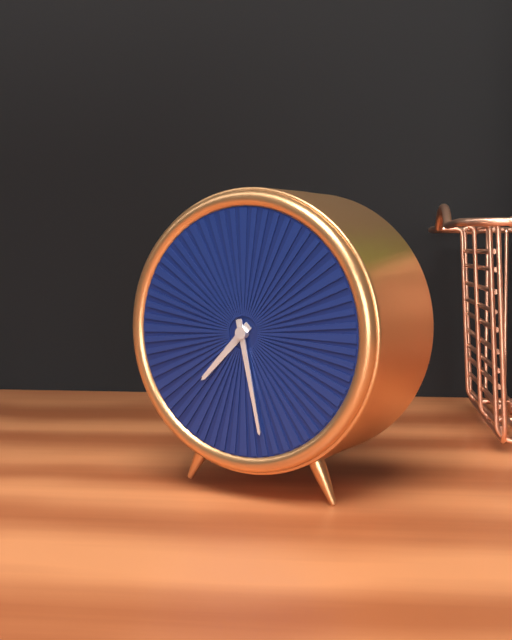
7:28
